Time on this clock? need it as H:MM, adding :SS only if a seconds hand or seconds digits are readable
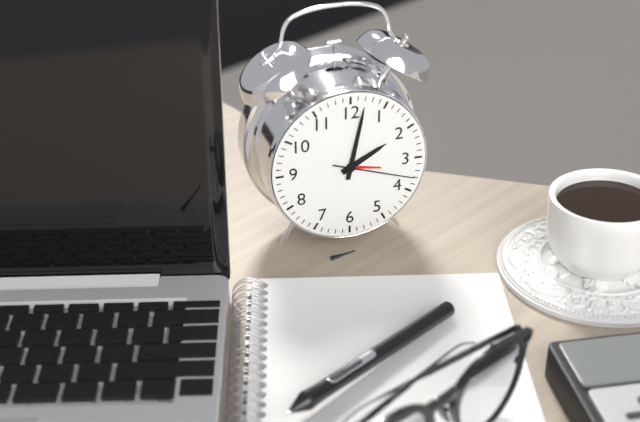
2:02:18
